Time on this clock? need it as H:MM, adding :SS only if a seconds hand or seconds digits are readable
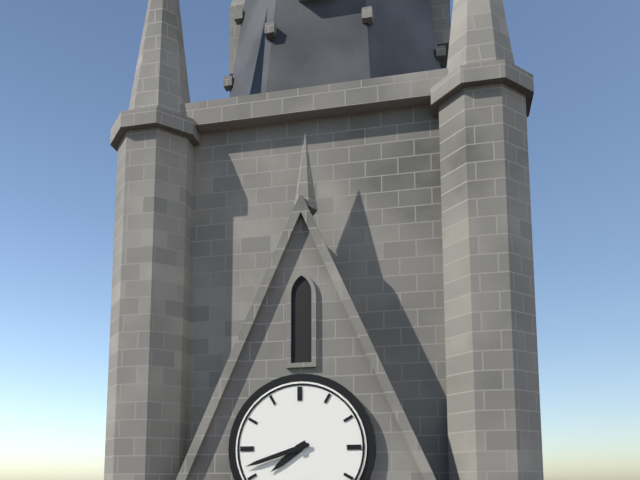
7:42
